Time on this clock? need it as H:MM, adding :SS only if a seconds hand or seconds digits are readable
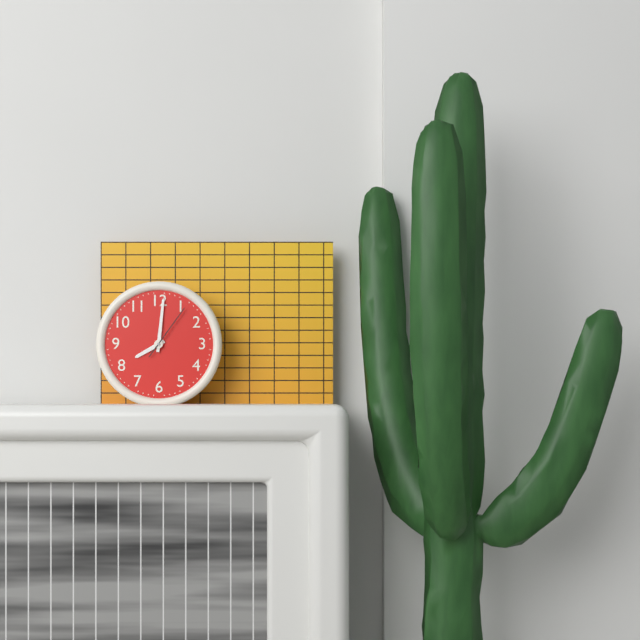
8:01:06
